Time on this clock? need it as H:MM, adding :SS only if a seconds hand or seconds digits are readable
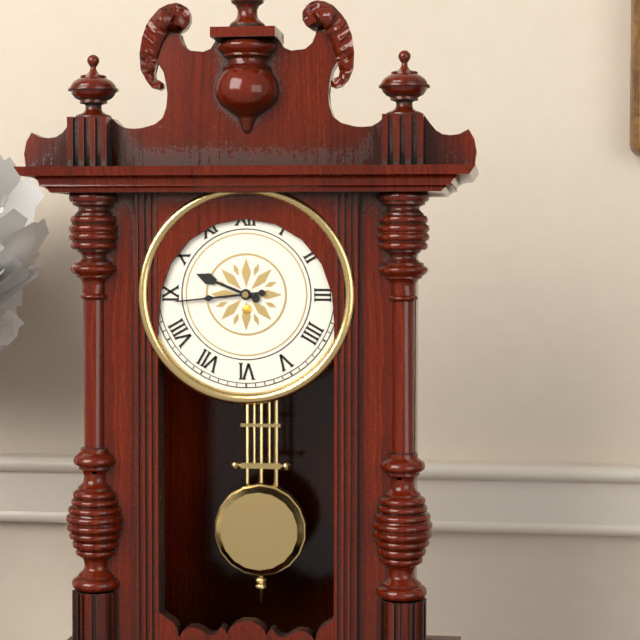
9:44
